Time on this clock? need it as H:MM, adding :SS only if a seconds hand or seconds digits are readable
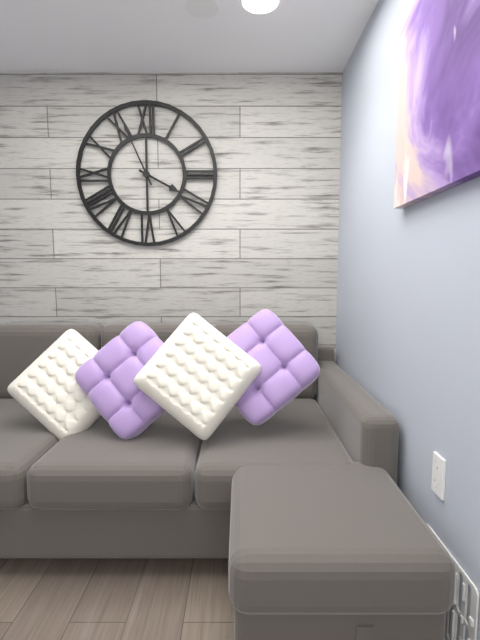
3:56
